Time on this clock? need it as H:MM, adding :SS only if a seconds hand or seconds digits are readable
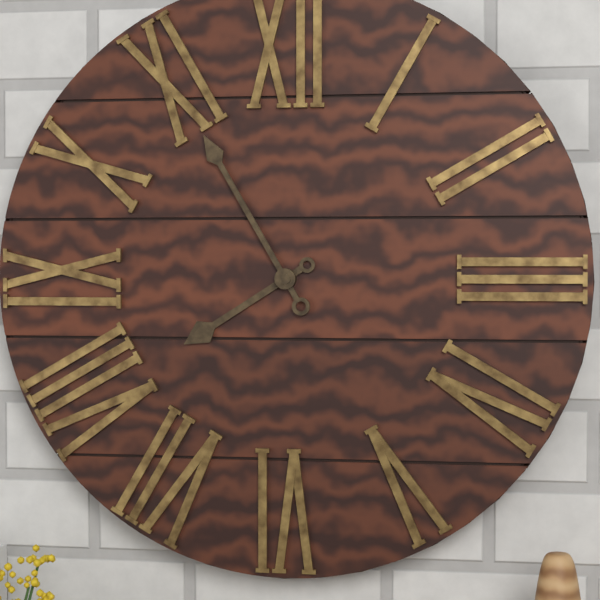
7:55
